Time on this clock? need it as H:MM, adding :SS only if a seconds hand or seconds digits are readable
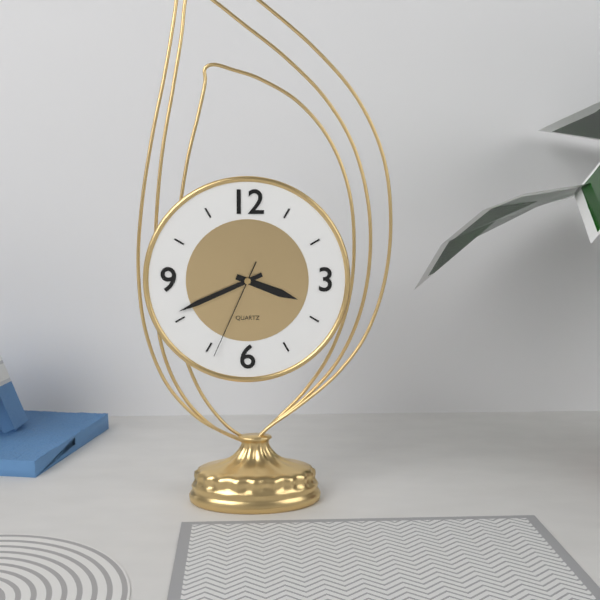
3:41:34
